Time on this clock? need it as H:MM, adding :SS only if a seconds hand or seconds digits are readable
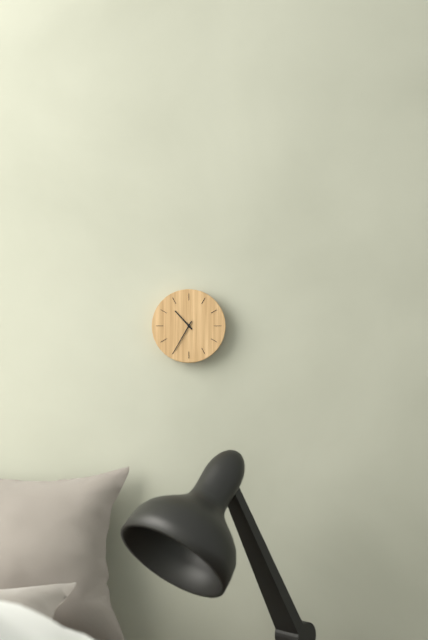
10:35
